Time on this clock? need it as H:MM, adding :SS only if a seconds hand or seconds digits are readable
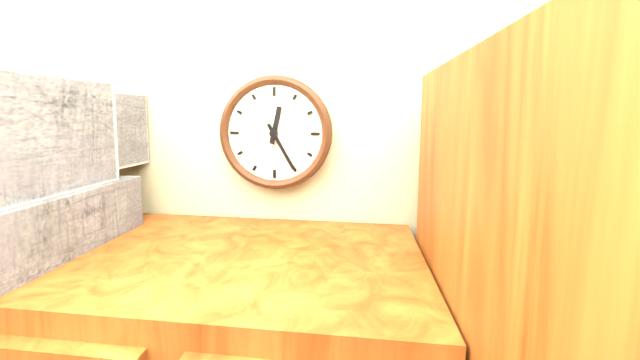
12:25
